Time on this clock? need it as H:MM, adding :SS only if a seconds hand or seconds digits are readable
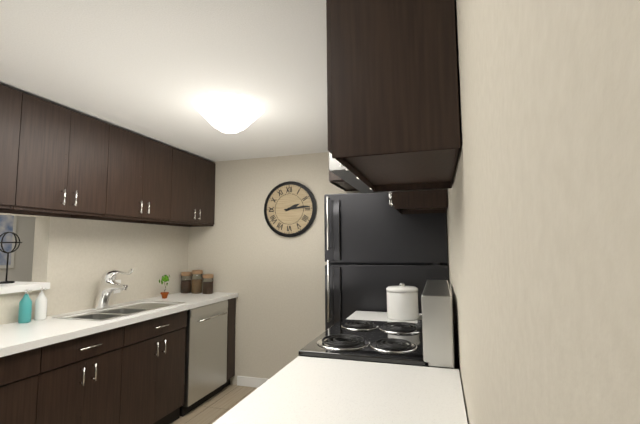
2:14
